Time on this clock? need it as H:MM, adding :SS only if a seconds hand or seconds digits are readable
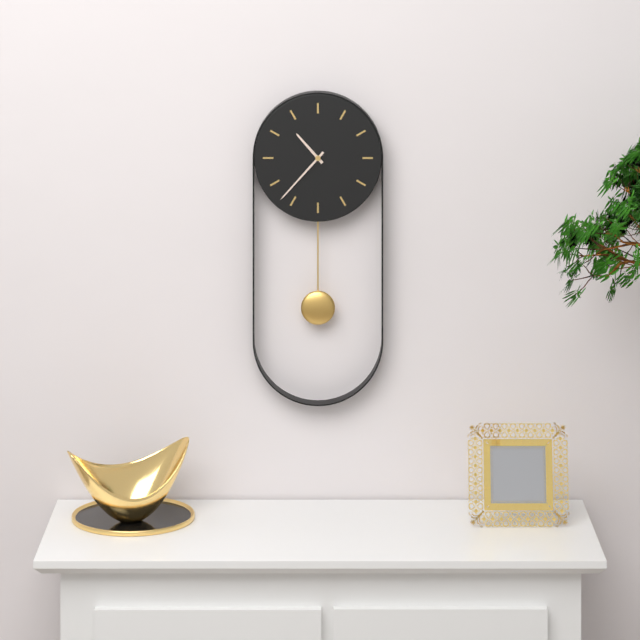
10:37
